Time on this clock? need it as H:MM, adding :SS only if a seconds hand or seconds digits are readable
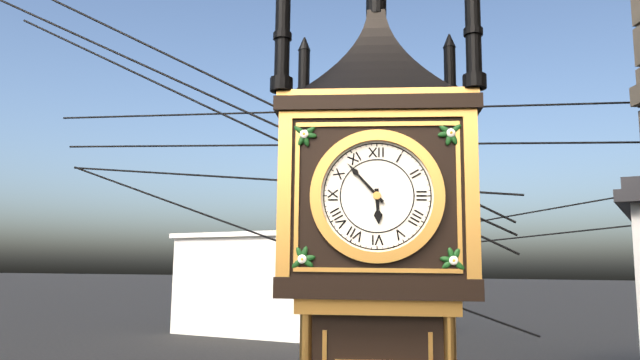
5:53
